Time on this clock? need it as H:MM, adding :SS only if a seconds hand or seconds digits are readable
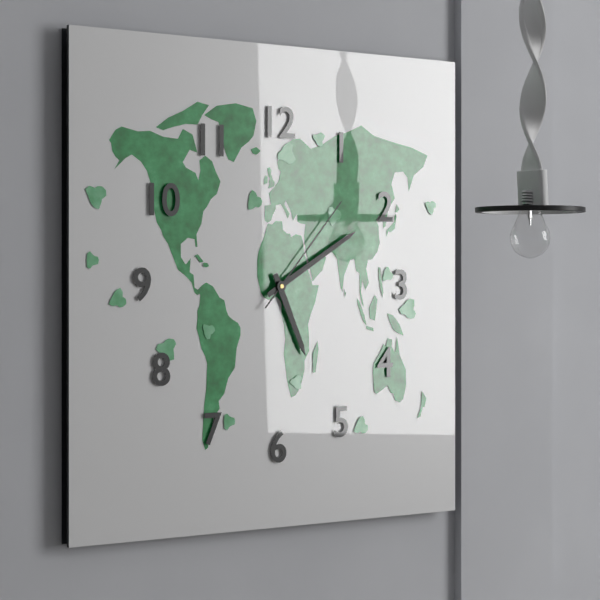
5:10:07
